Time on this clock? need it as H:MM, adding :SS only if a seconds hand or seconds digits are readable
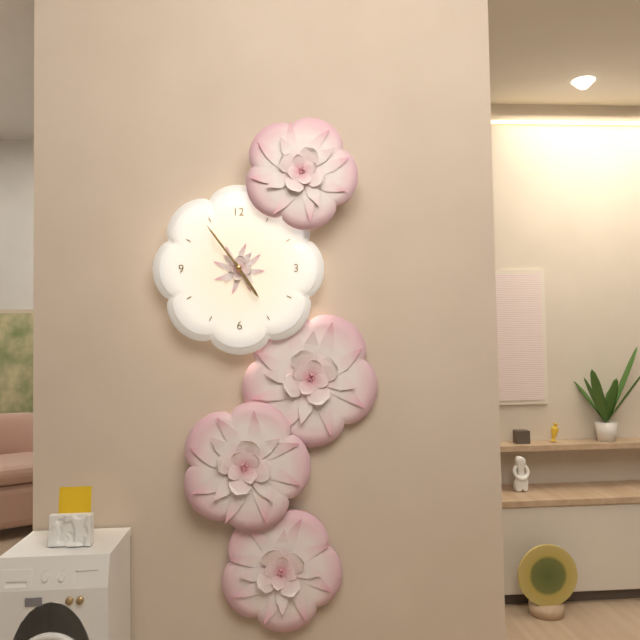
4:54
